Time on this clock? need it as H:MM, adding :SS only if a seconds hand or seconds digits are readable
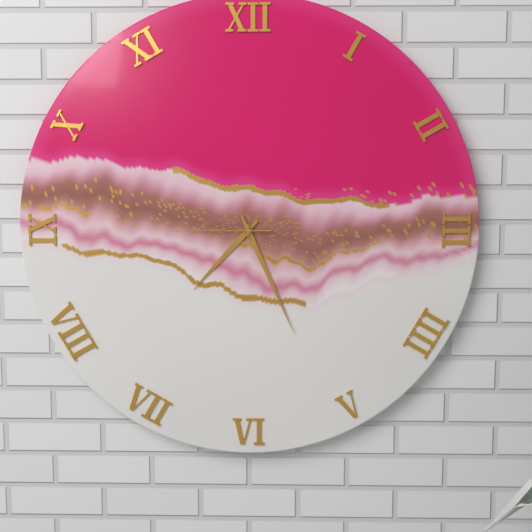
7:26:45
